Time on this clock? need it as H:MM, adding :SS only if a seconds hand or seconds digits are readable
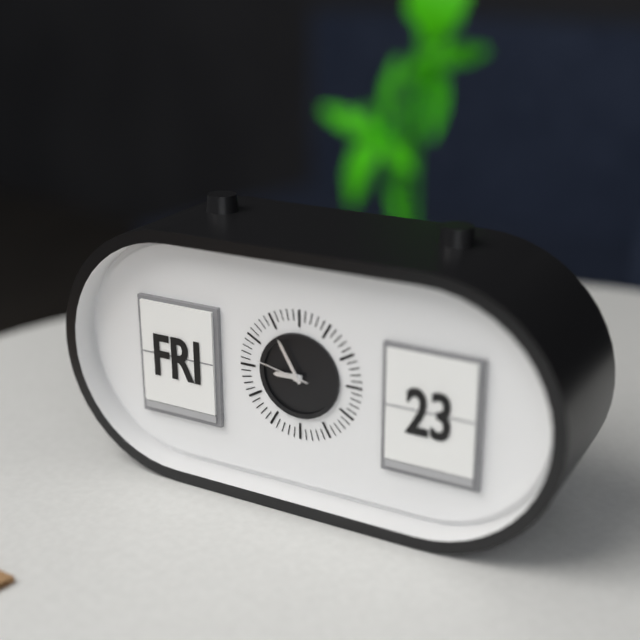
8:55:47
